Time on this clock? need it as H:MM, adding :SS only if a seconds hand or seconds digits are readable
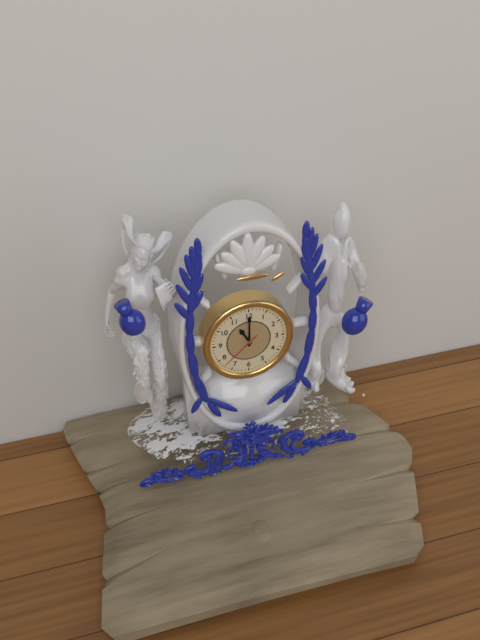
11:00
